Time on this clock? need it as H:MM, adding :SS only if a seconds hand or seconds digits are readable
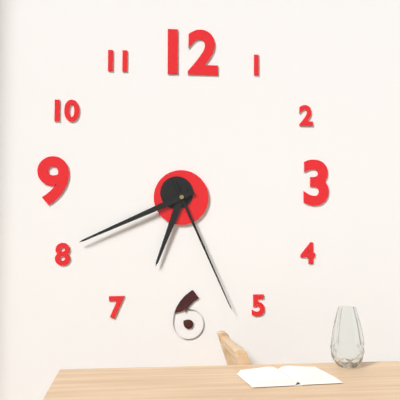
6:41:26
